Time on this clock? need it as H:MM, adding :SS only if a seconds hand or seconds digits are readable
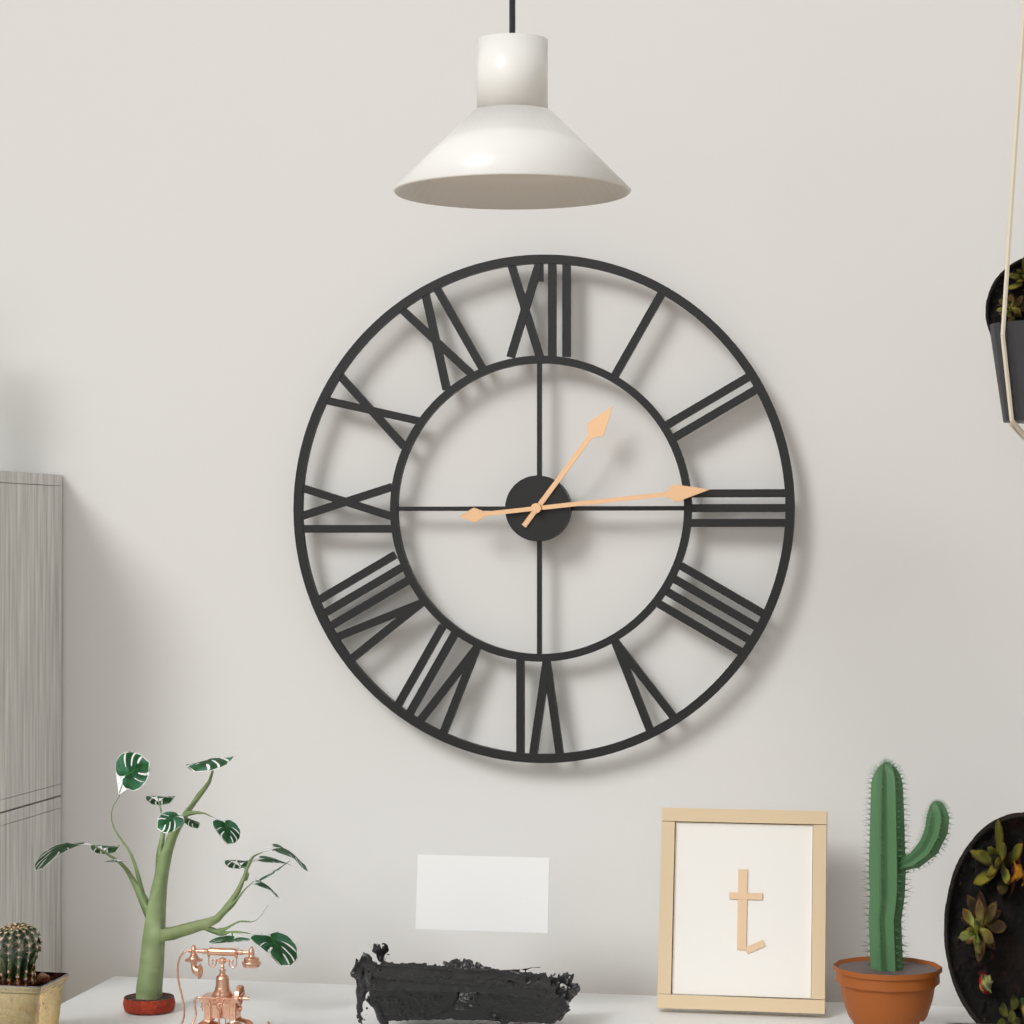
1:14
